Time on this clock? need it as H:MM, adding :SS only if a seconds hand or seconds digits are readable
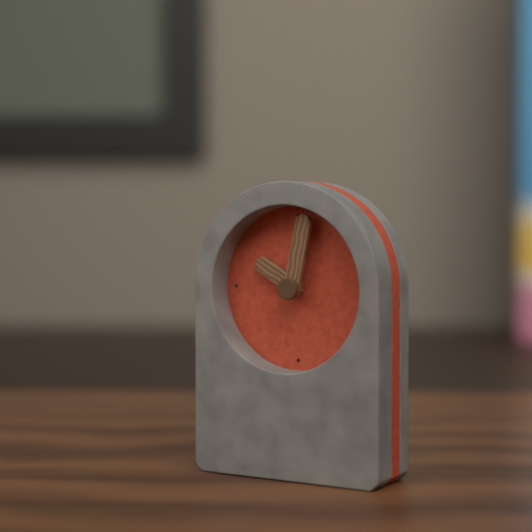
10:02
